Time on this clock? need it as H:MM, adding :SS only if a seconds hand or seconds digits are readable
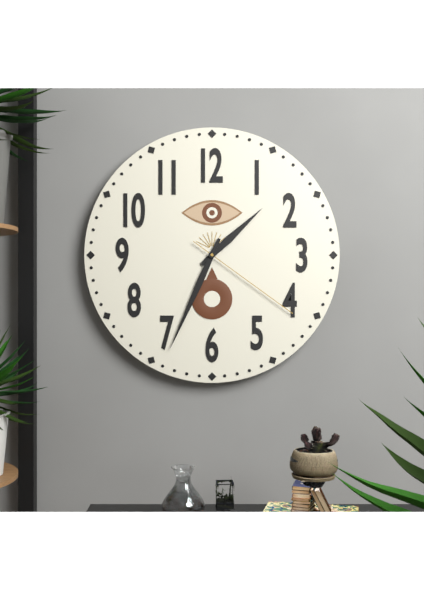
1:34:21
